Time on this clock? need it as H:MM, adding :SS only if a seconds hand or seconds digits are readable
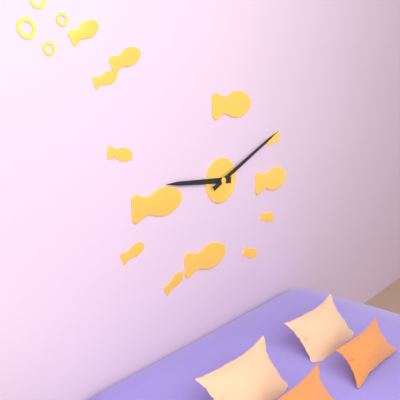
9:11
